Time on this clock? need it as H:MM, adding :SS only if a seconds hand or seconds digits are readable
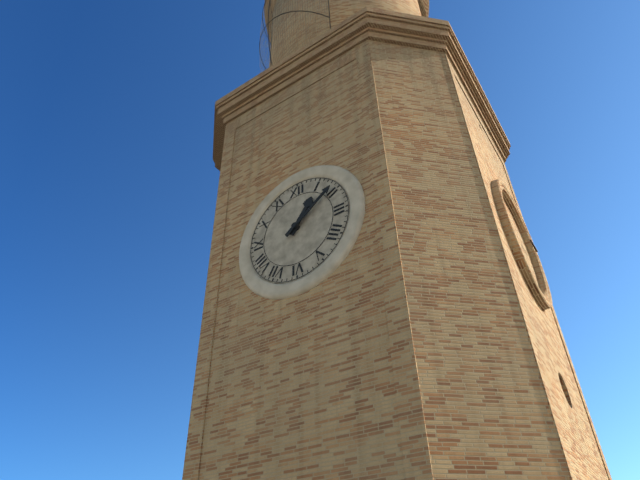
1:09
